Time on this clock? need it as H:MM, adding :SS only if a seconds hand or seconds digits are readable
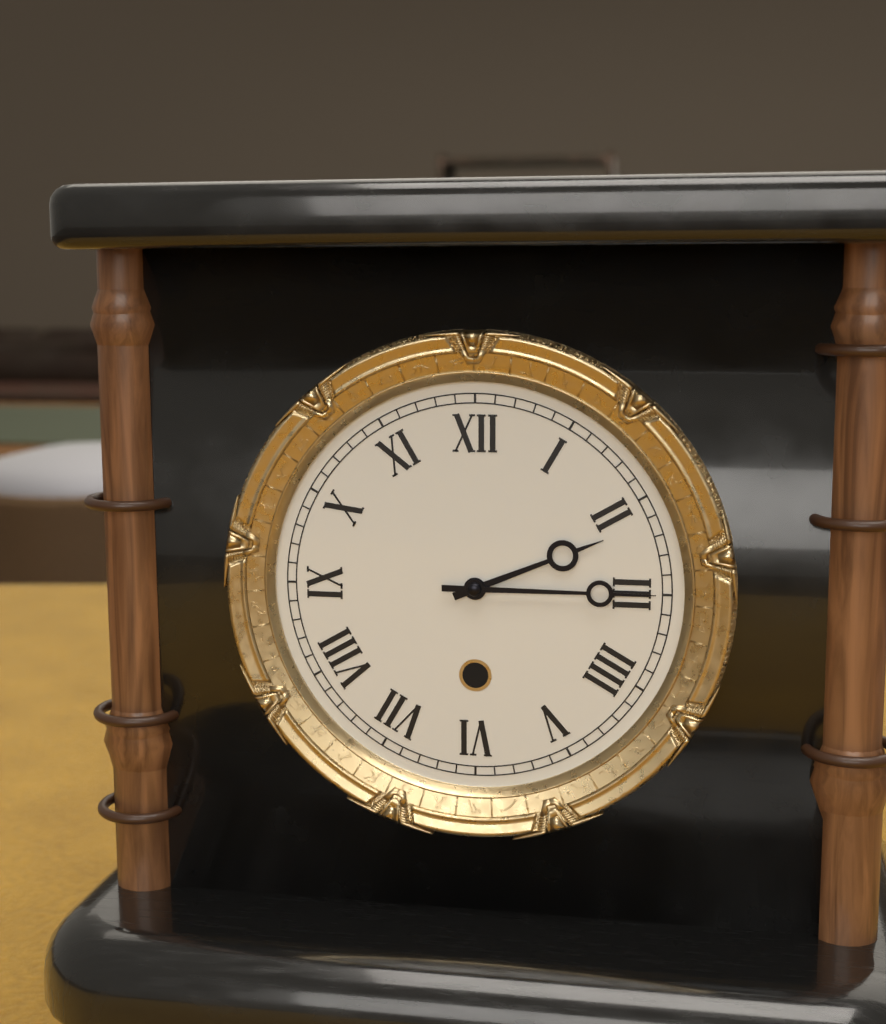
2:15
